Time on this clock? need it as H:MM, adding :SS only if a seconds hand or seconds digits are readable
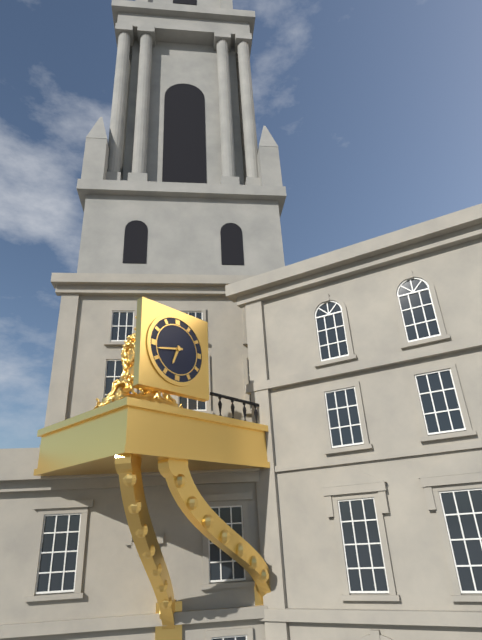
6:43
